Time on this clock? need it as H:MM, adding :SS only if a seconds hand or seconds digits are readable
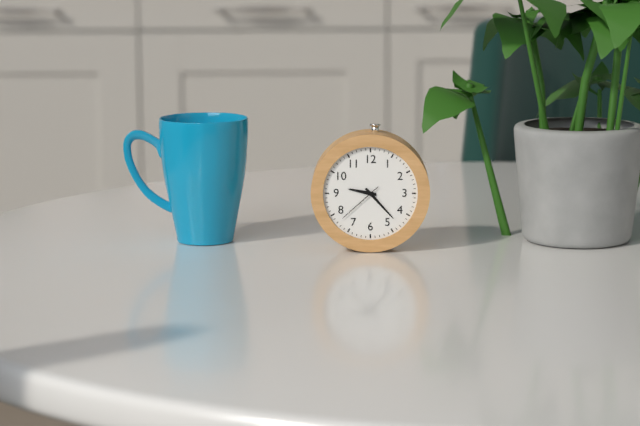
9:23
